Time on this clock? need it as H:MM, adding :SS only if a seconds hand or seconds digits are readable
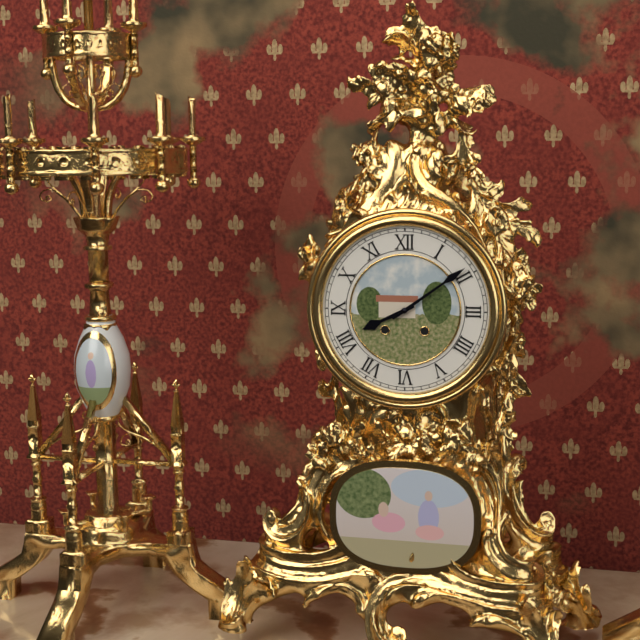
8:09
